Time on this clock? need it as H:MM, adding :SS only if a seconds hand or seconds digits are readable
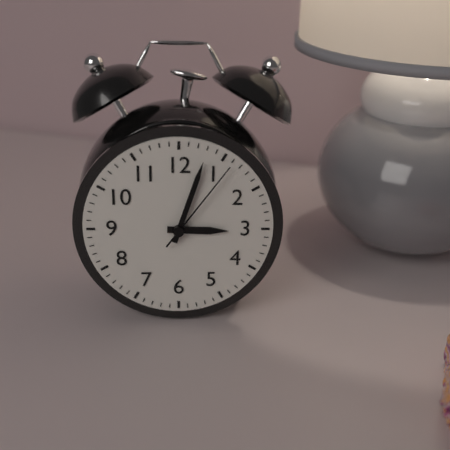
3:03:06
